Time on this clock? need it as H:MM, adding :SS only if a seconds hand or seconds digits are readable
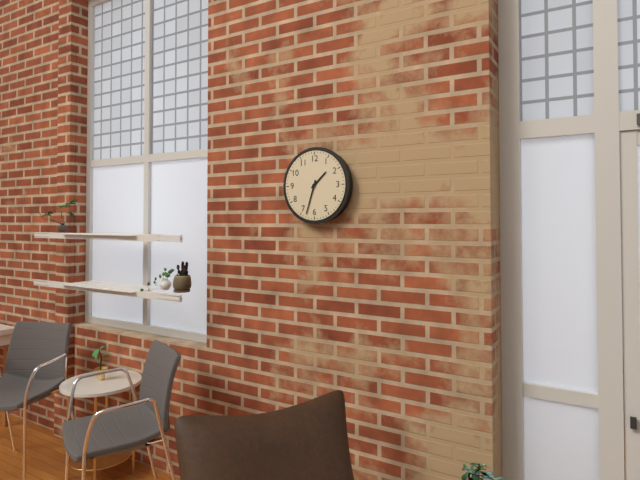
1:33
